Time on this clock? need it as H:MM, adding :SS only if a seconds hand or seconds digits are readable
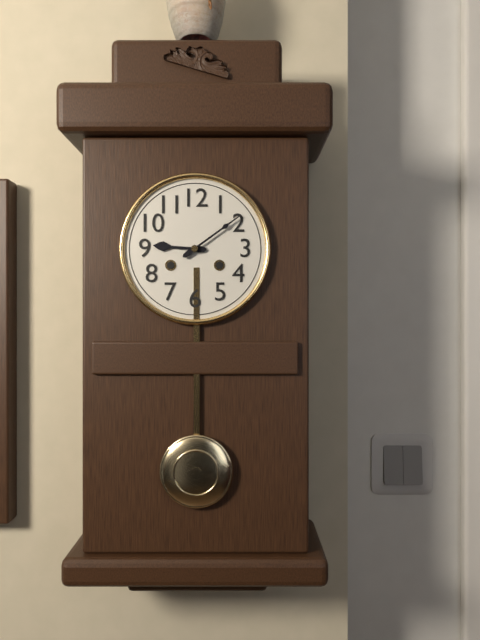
9:09
